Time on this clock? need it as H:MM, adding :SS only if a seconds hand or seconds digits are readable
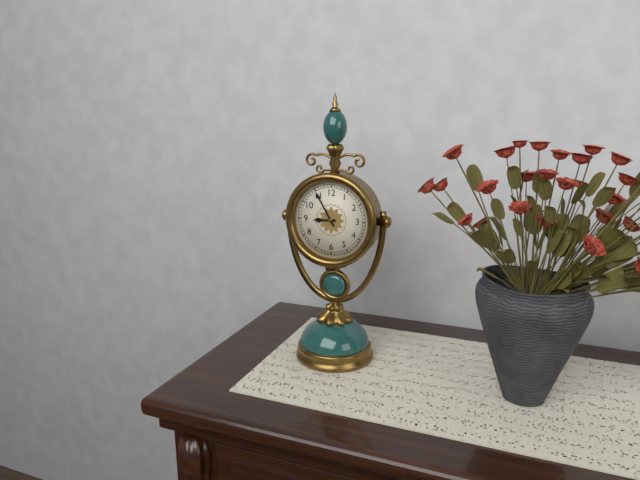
8:55
